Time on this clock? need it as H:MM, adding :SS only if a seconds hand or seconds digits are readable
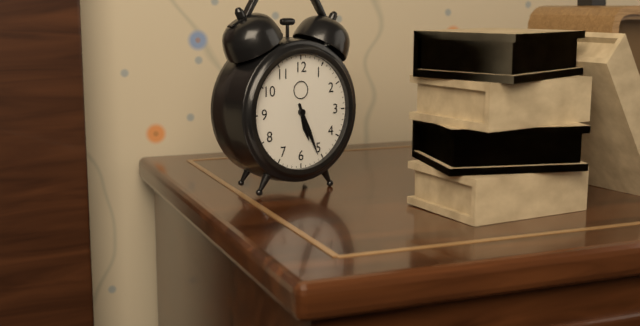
5:26
